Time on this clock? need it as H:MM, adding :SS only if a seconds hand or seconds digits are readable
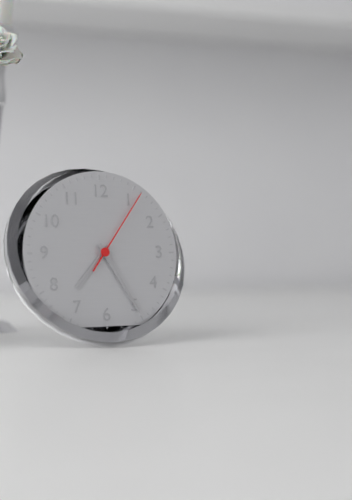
7:25:06
